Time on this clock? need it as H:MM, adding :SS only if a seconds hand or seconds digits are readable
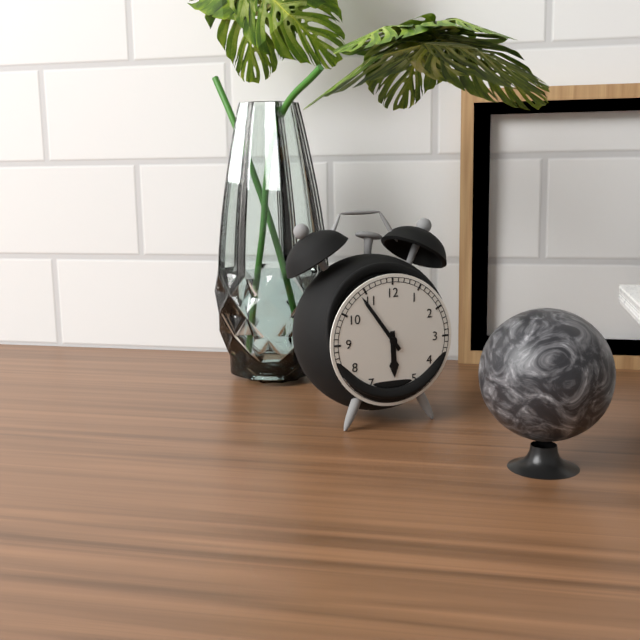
5:54
